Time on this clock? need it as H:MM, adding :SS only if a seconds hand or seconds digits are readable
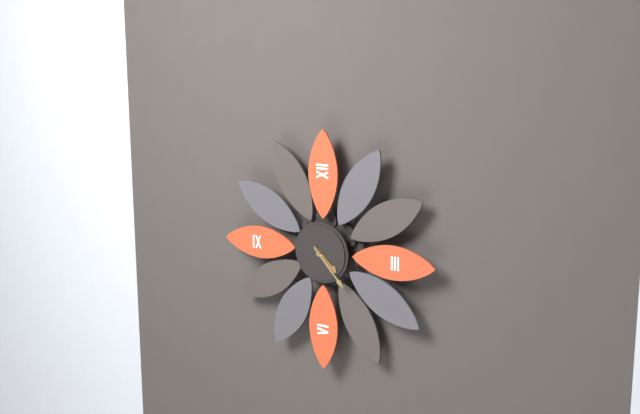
4:23
